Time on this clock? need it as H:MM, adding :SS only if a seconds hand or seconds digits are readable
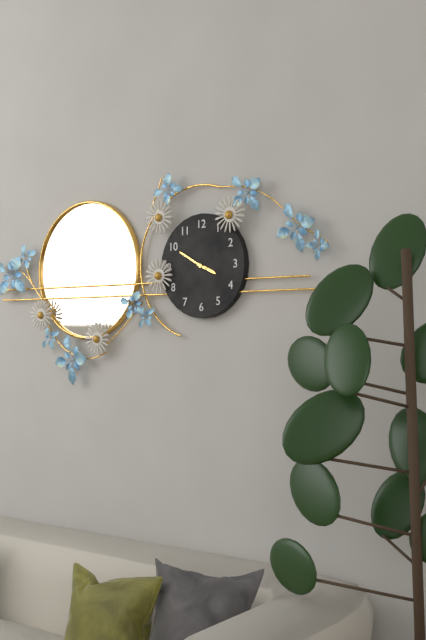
3:50
